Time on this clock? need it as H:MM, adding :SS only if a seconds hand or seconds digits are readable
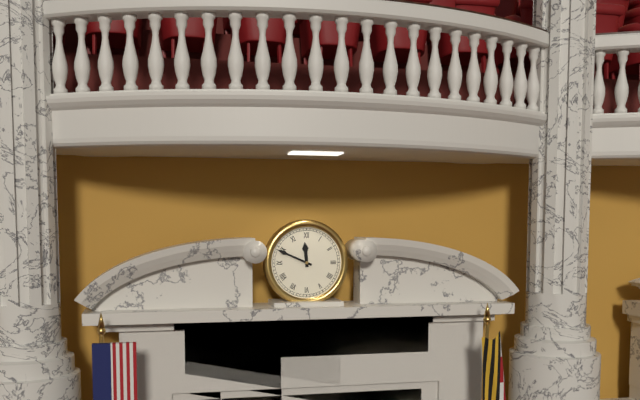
11:49
